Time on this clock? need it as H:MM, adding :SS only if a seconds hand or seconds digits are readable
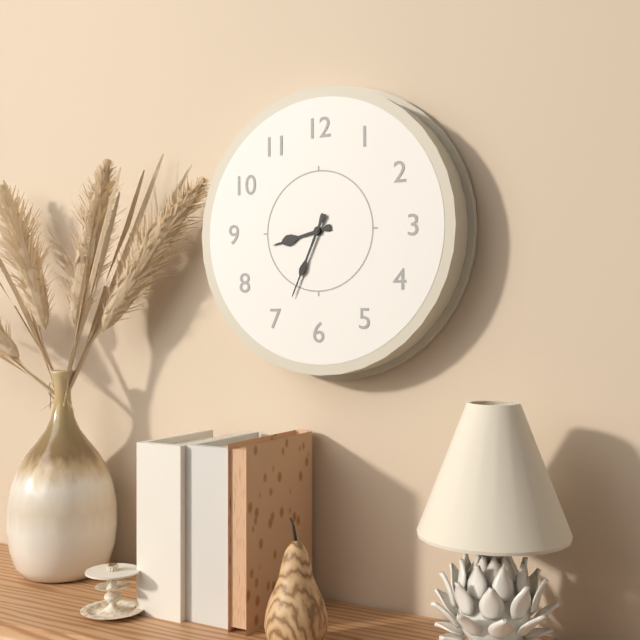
8:34
